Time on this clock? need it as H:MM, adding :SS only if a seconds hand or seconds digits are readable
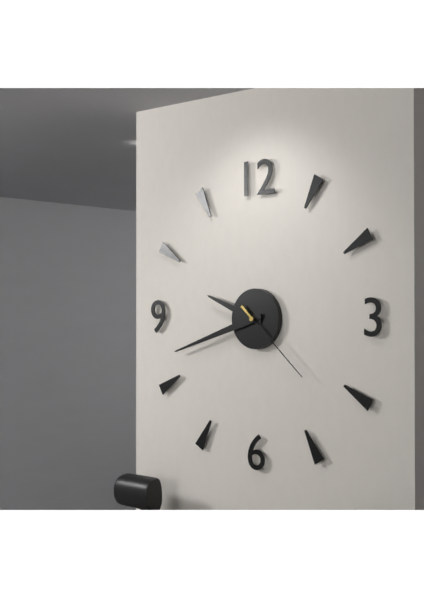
9:42:22
